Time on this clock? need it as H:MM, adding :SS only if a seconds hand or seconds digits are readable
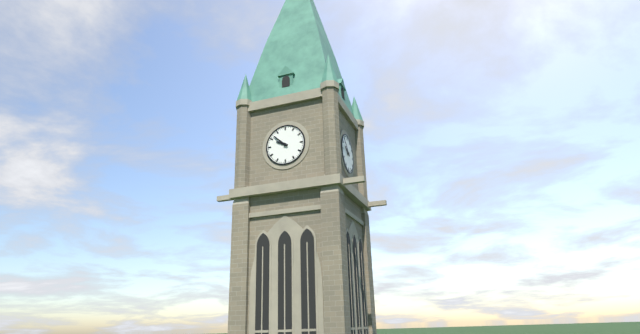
9:52
